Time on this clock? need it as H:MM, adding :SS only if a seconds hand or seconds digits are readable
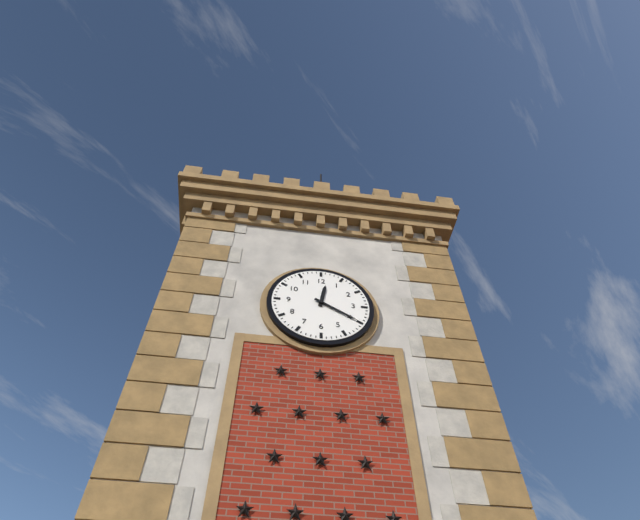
12:20
